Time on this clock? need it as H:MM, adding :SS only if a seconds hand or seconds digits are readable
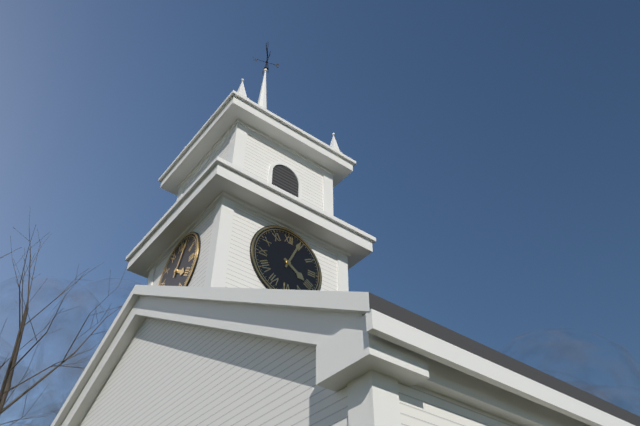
4:04
